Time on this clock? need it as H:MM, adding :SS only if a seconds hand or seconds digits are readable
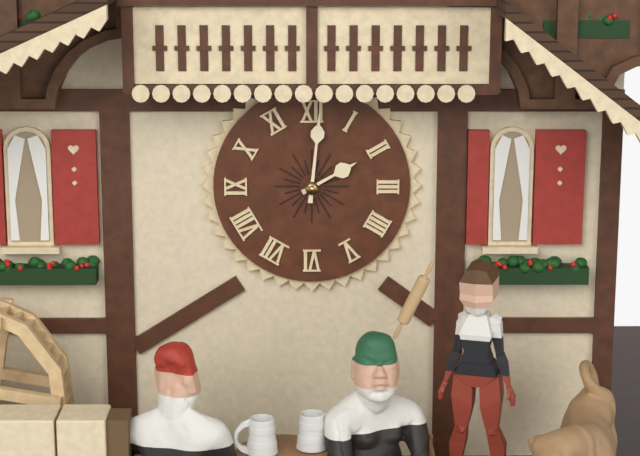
2:01
